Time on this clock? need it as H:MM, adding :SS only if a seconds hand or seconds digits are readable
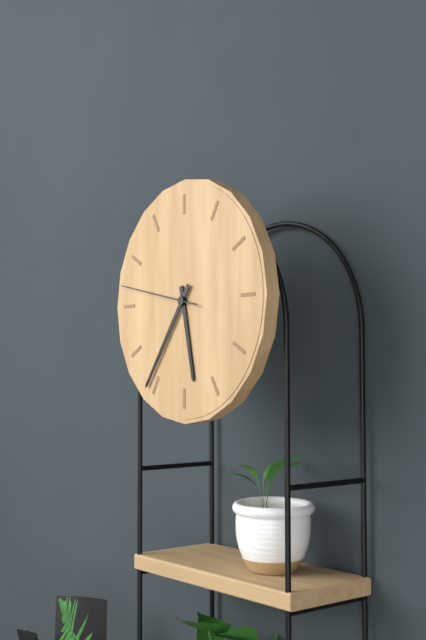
5:36:47
